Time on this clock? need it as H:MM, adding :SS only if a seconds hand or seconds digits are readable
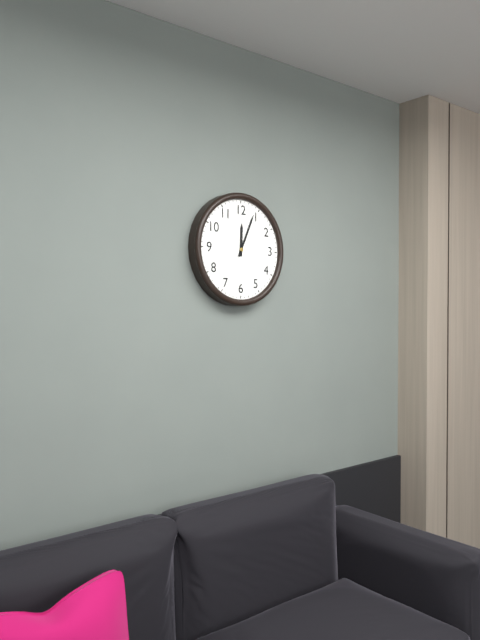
12:04
